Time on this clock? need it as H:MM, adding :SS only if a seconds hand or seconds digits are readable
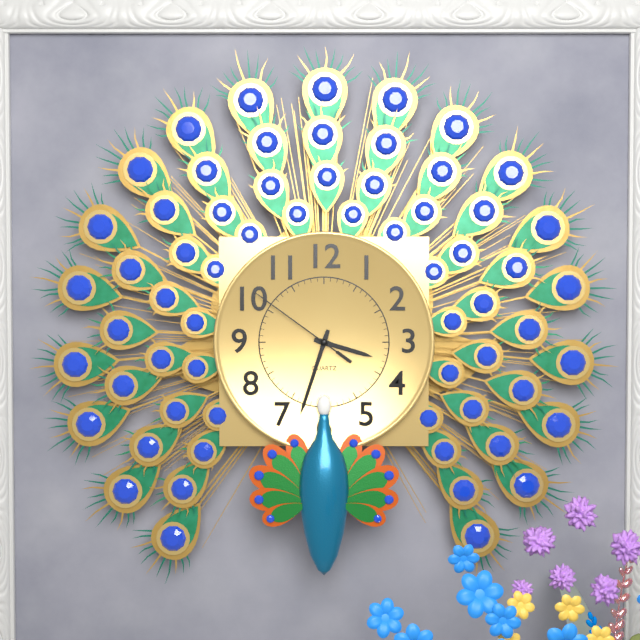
3:33:51
